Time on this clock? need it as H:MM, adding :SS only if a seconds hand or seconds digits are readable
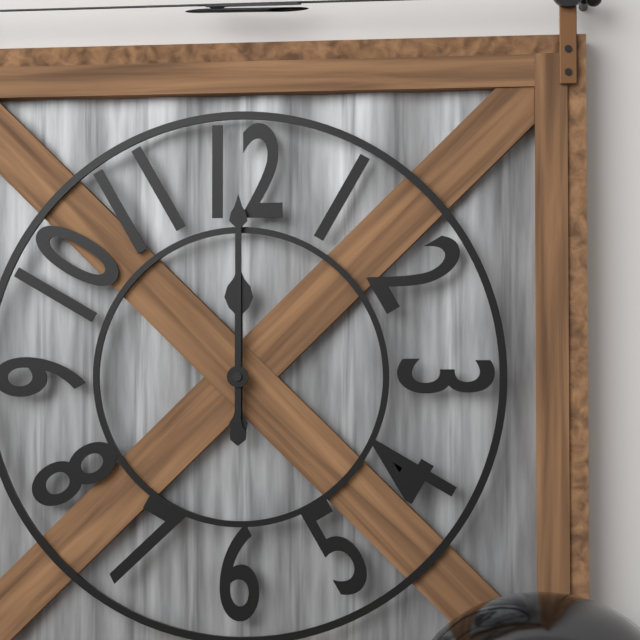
12:00
